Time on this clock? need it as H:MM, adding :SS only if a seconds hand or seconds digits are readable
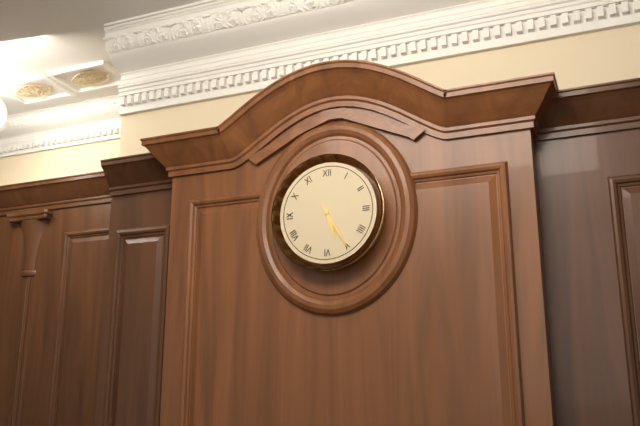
5:25
